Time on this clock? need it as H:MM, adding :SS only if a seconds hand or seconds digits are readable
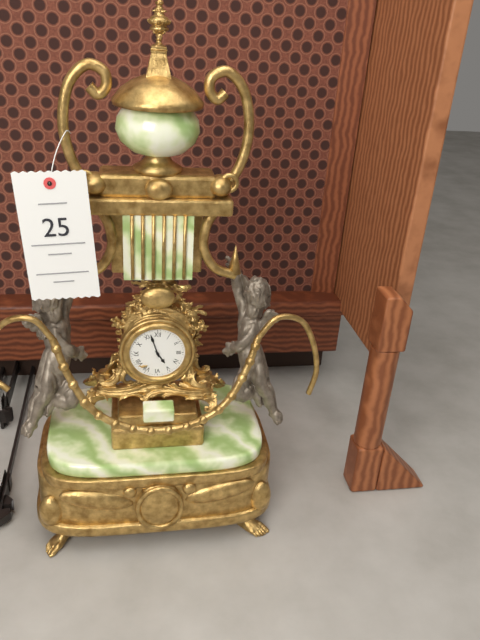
4:57
